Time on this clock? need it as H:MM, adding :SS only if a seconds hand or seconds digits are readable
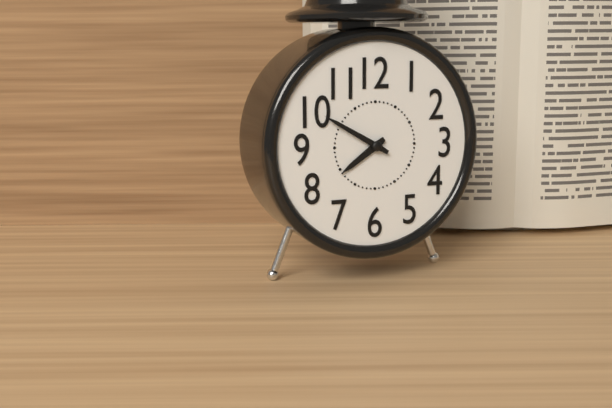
7:50
